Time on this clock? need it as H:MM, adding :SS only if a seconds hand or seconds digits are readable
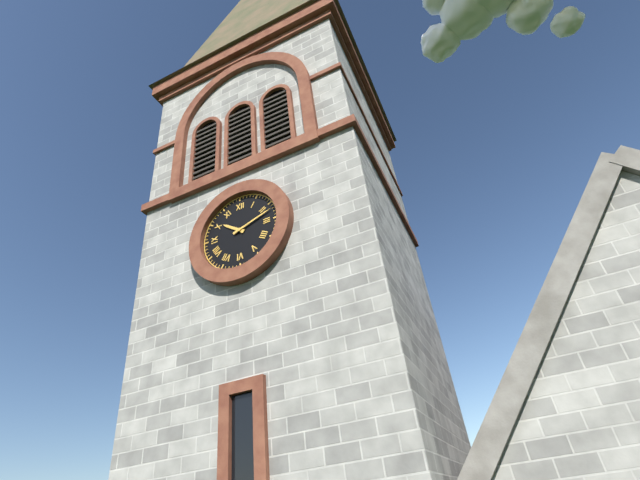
10:12
